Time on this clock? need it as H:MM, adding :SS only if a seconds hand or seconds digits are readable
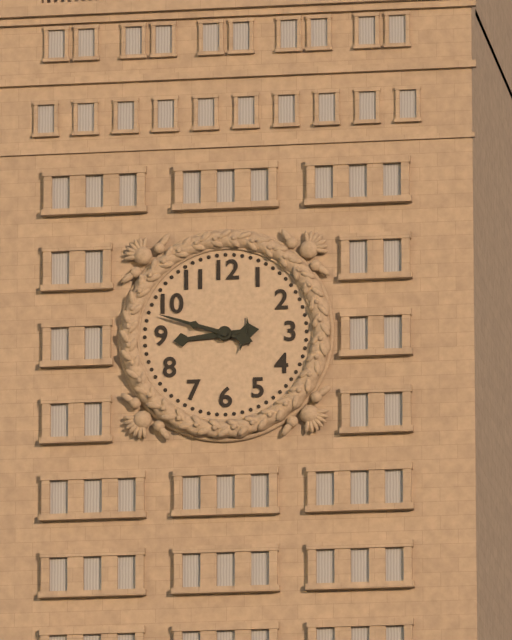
8:48
